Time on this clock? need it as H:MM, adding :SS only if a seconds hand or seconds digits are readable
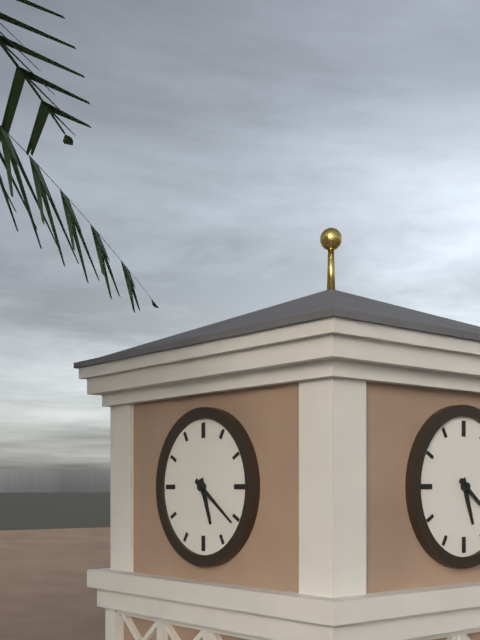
5:21
